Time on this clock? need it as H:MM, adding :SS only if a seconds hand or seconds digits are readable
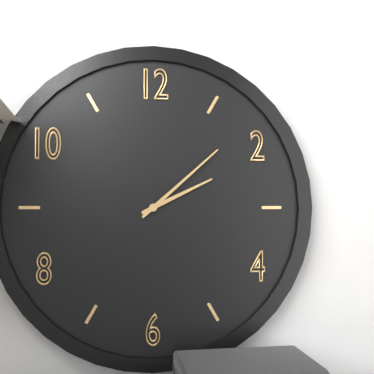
2:08
